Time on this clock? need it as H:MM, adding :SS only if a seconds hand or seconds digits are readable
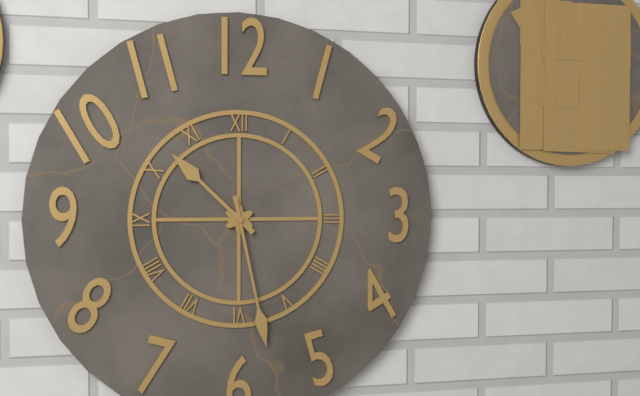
10:28
